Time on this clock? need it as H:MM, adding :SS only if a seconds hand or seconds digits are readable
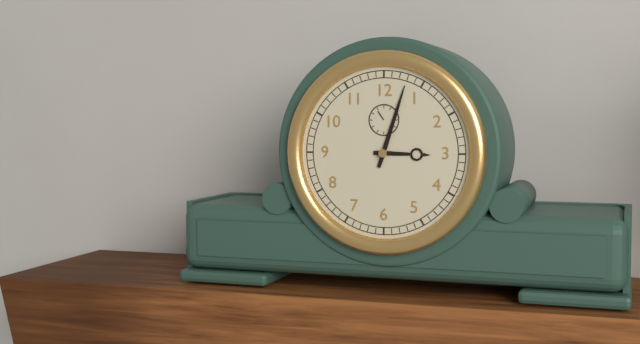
3:03
